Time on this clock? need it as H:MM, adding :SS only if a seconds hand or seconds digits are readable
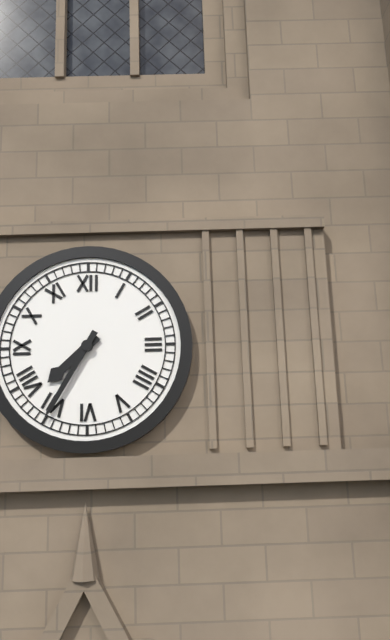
7:35
